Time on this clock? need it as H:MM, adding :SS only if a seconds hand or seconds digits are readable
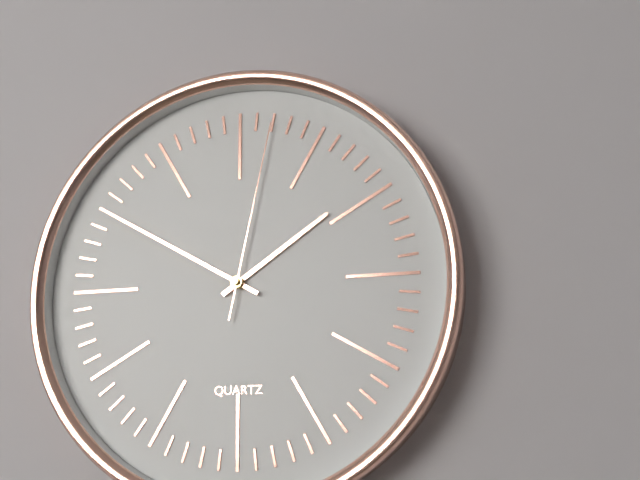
1:50:02
